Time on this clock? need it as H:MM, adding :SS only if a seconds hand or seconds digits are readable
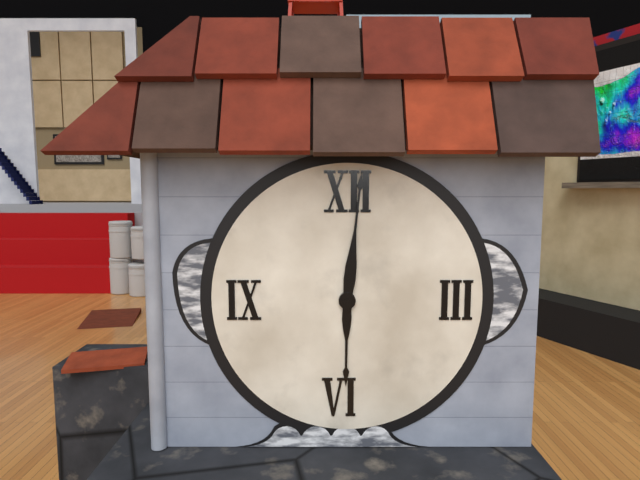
6:01
